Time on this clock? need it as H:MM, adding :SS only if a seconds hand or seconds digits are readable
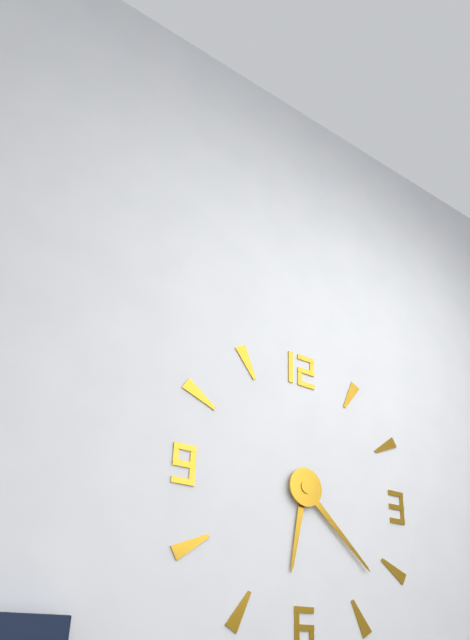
6:22
